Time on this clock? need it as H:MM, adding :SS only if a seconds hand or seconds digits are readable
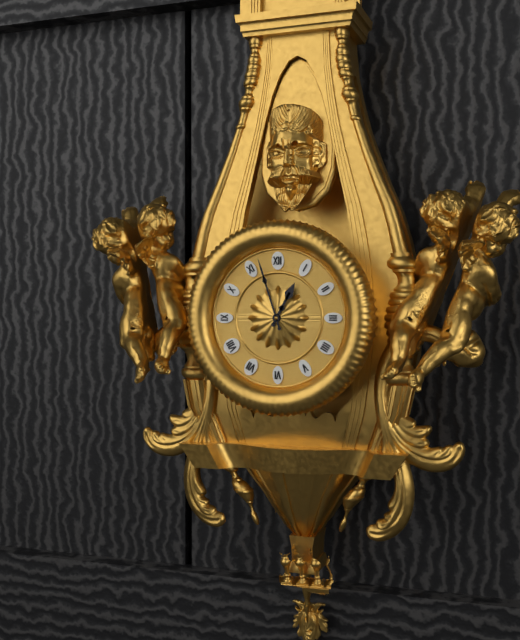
12:57
